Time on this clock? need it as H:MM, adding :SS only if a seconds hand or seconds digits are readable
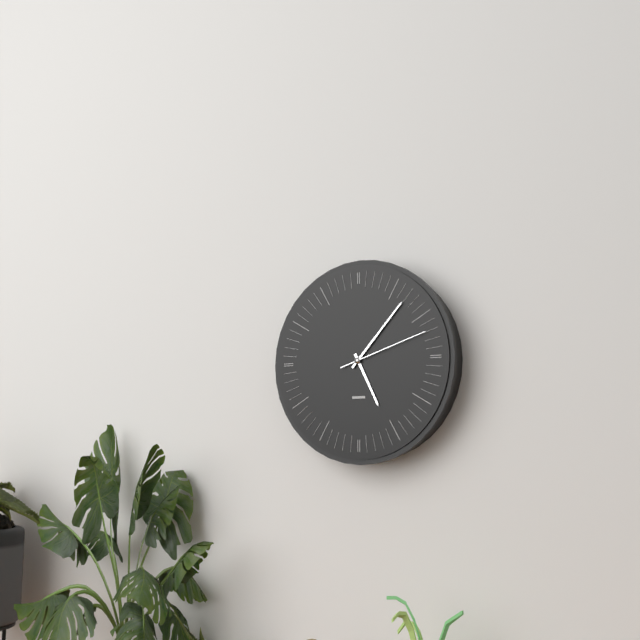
5:07:12
